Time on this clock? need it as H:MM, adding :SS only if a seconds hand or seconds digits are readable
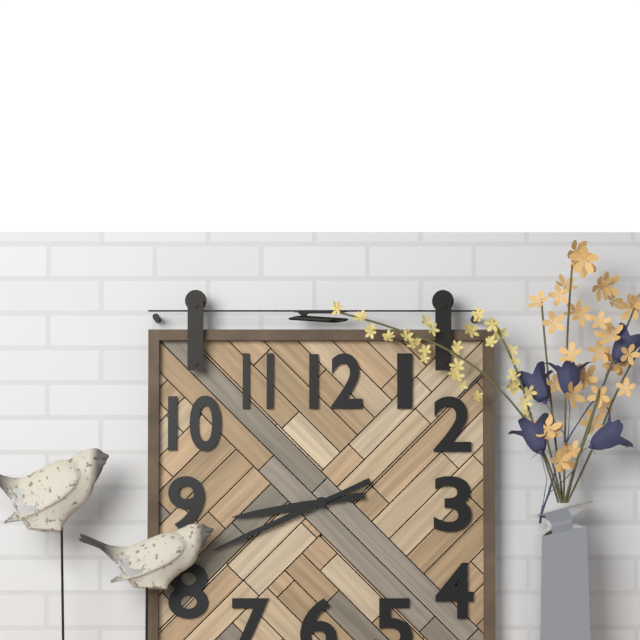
8:41
